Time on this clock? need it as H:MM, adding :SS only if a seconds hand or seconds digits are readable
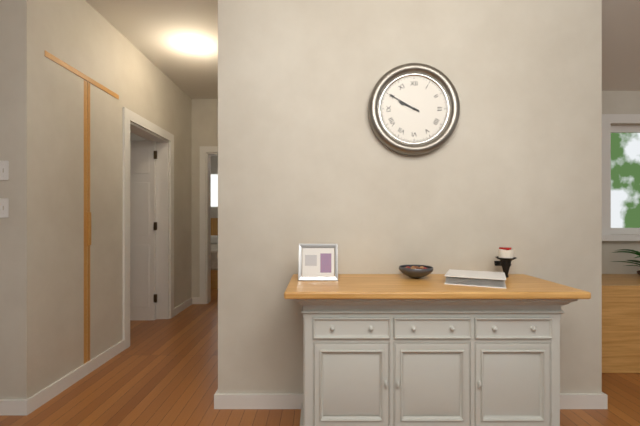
9:50
